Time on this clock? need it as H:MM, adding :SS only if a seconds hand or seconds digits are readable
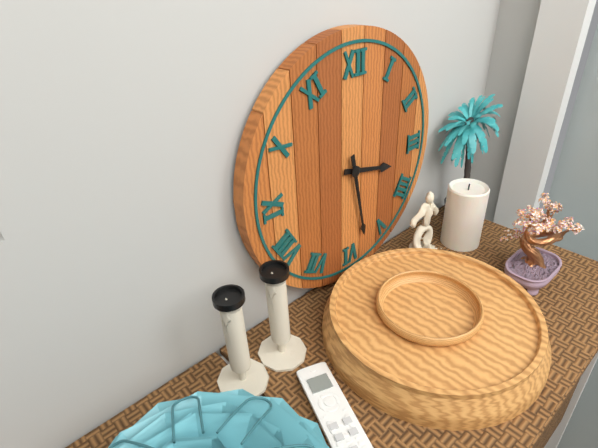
3:28
